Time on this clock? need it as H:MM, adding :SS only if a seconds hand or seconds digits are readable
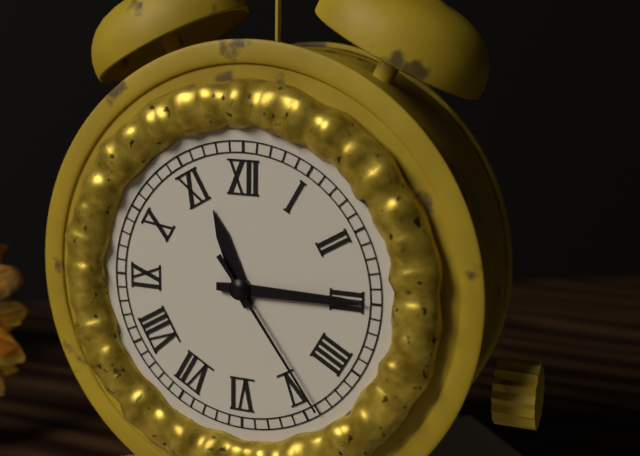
11:15:24
